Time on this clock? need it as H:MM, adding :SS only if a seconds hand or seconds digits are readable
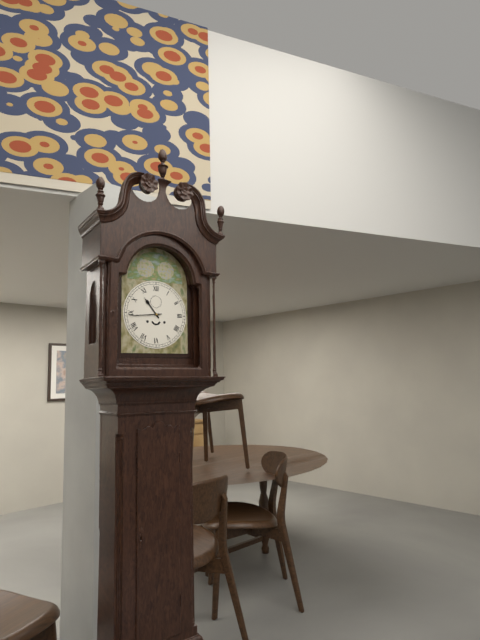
10:44
